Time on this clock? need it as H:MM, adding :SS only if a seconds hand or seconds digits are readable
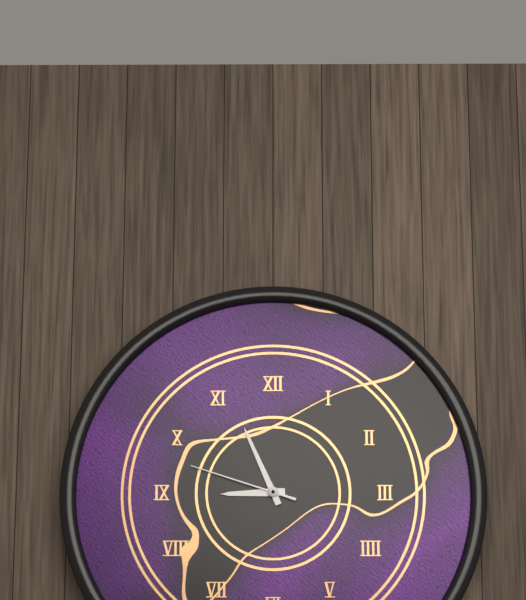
8:56:48
